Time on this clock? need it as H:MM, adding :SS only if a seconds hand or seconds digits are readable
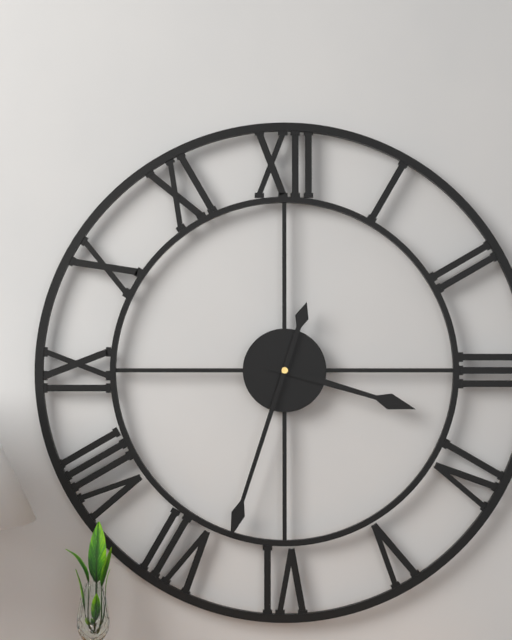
3:33
